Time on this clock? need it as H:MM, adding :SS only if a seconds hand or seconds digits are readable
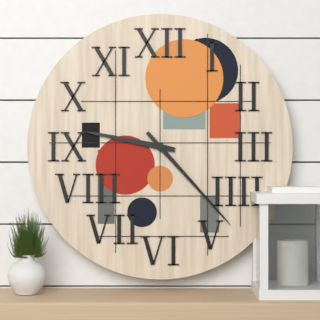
9:23
